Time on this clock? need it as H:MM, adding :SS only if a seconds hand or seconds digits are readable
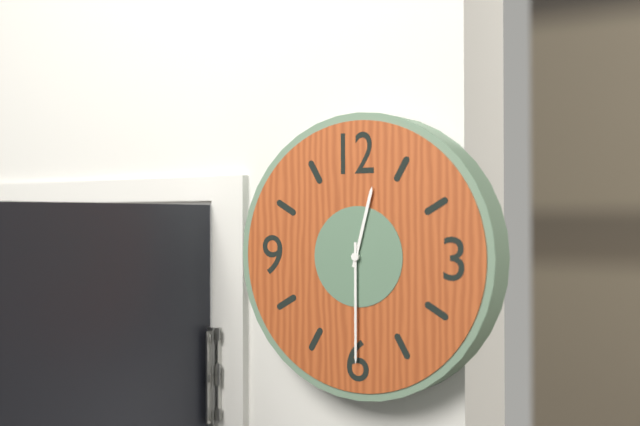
12:30
